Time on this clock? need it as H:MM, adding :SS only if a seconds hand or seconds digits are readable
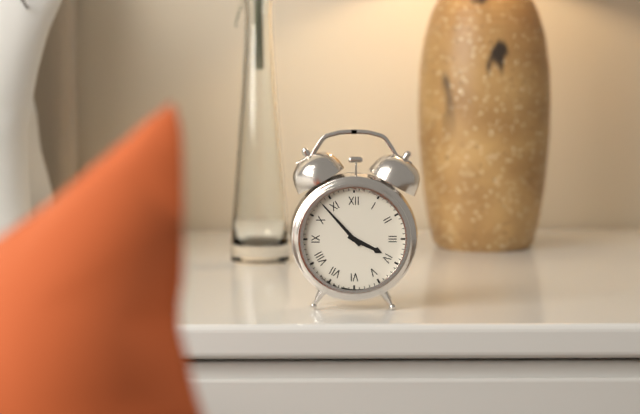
3:53
